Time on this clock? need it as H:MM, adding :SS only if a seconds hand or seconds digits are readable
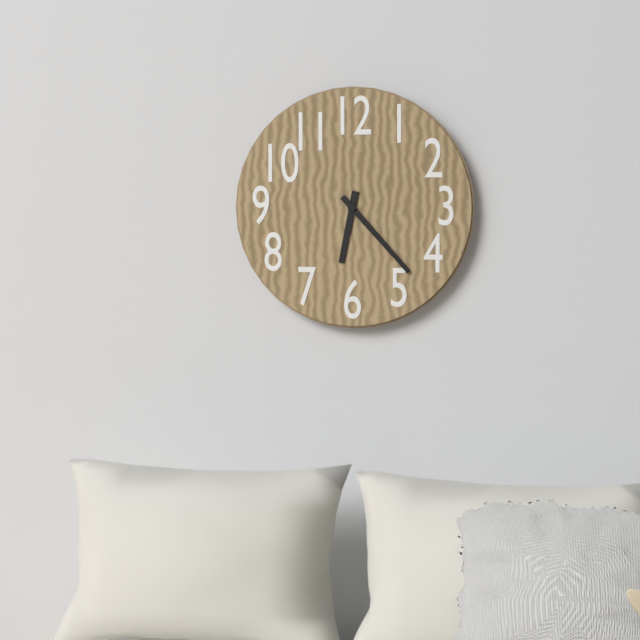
6:23
